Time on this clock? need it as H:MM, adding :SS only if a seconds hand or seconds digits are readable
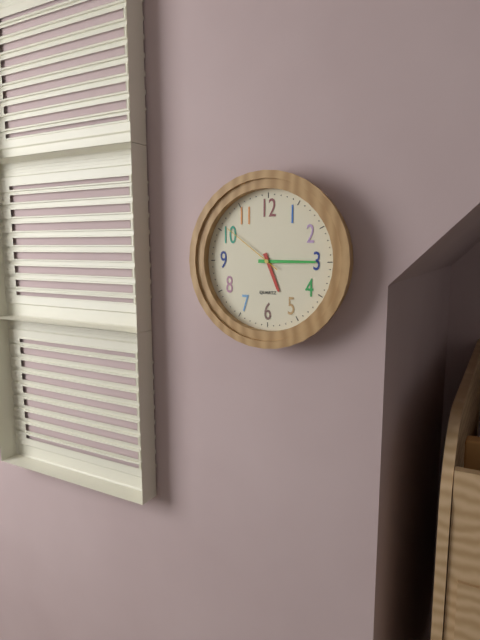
5:15:51
